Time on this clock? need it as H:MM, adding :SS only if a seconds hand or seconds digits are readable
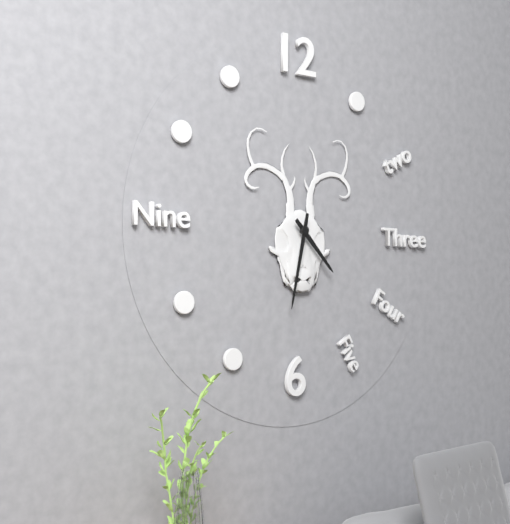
4:32
